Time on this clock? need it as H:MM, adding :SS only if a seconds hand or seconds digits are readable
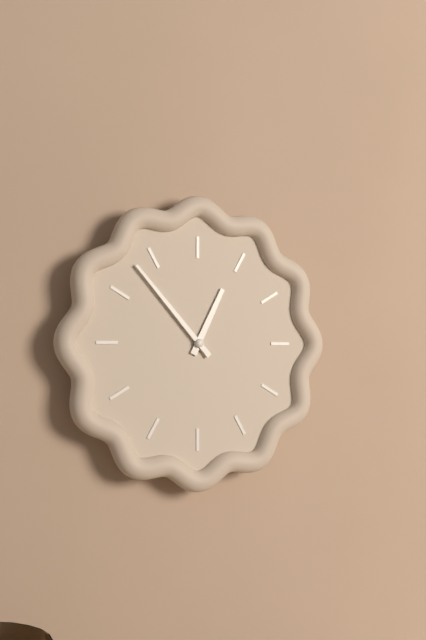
12:53
